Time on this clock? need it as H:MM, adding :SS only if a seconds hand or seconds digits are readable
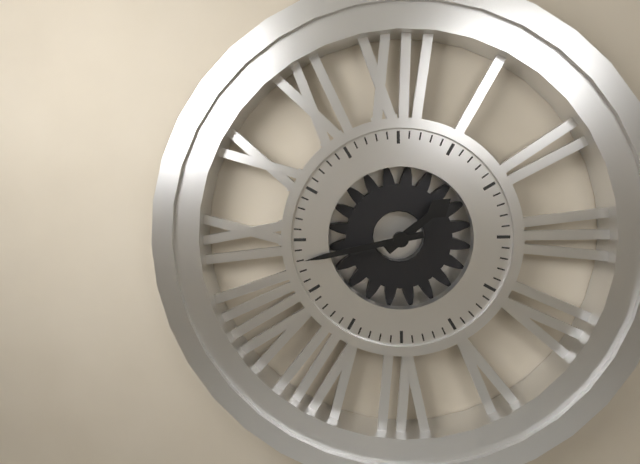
1:43
